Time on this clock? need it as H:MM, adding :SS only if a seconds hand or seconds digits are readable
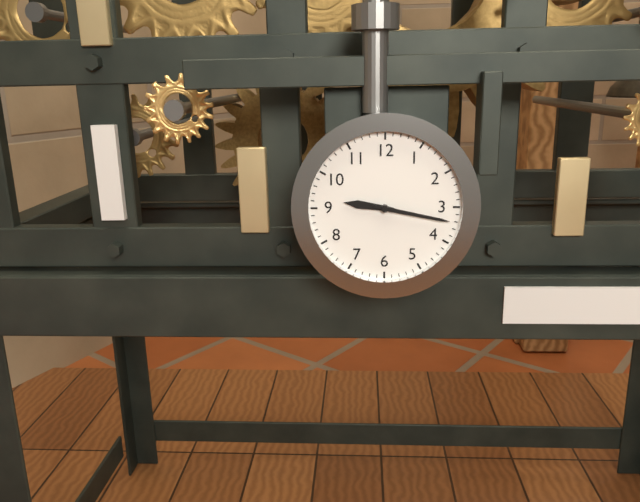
9:17
